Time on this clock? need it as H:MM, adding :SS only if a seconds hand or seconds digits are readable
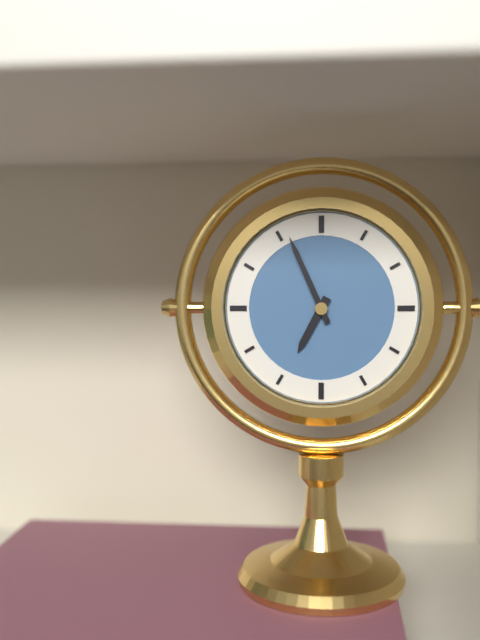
6:56
